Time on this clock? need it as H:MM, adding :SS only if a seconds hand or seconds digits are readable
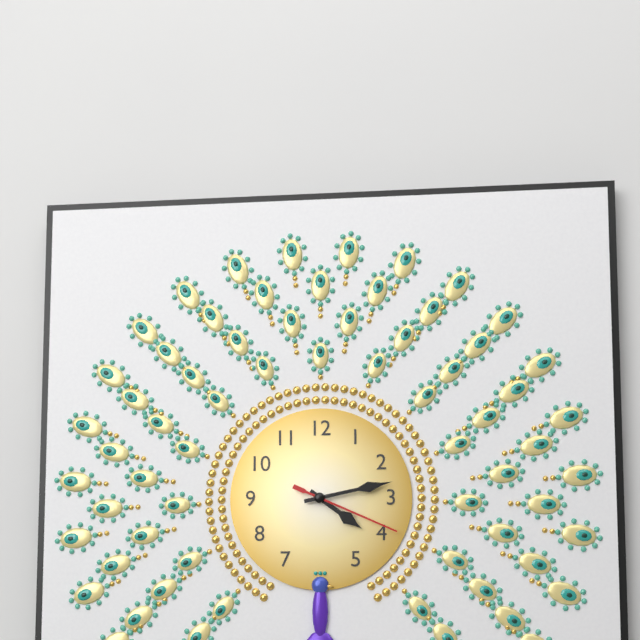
4:13:19
